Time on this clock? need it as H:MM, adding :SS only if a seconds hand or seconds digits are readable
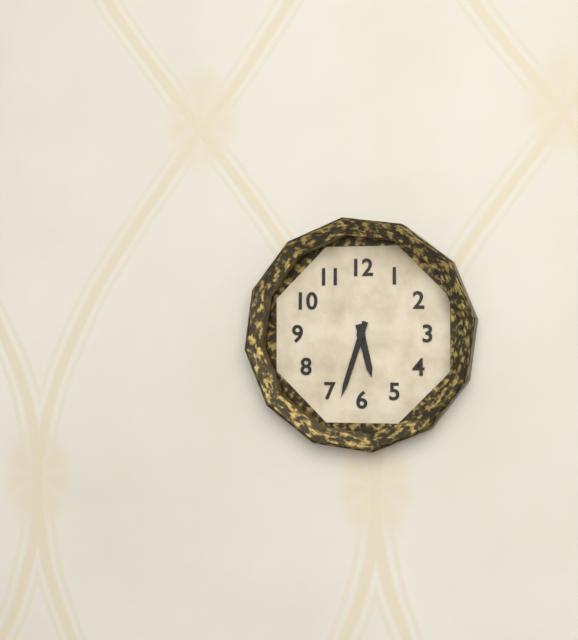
5:33
